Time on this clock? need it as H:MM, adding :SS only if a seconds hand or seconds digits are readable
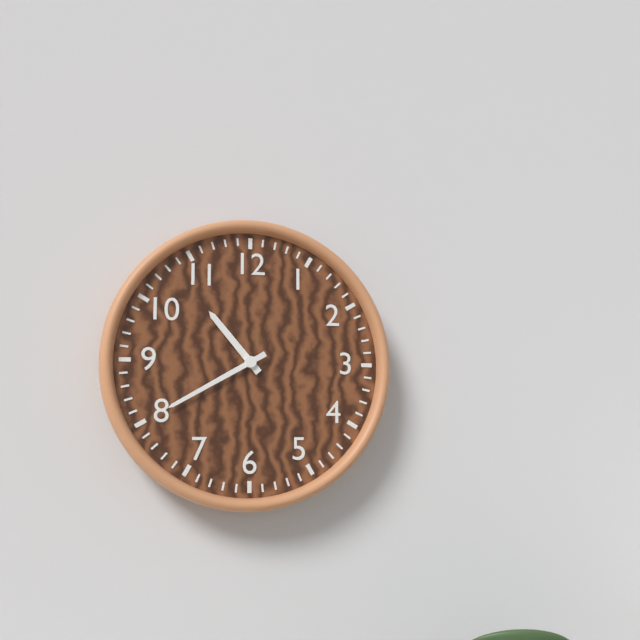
10:40
